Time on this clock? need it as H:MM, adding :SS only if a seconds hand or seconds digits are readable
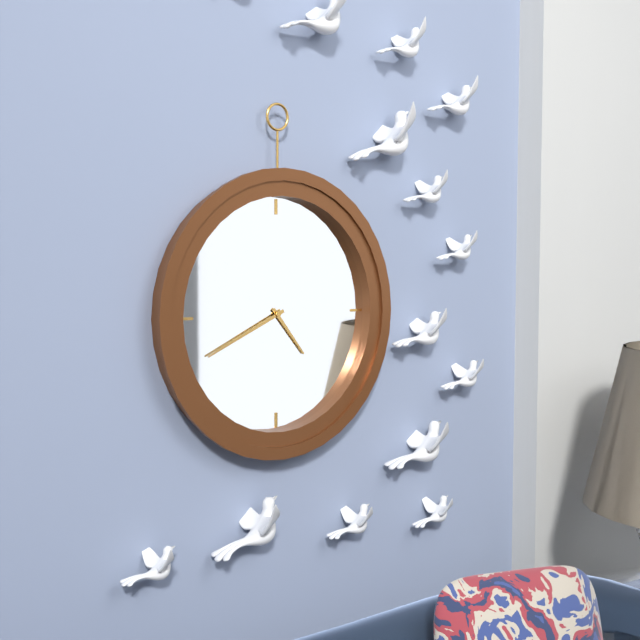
4:41
